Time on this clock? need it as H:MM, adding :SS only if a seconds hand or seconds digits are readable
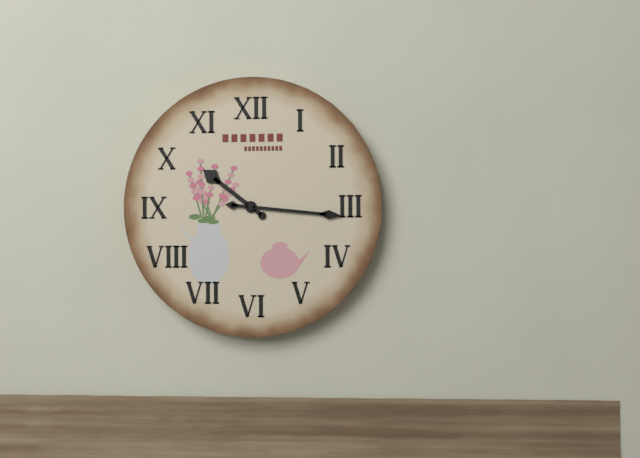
10:16
